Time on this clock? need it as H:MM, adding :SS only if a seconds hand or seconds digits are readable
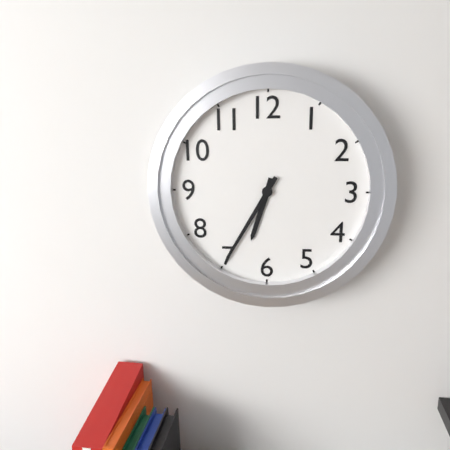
6:35
